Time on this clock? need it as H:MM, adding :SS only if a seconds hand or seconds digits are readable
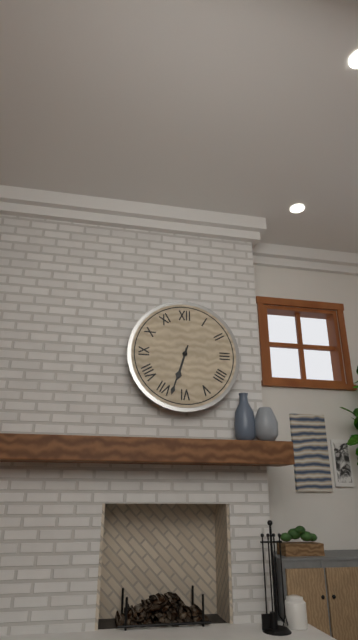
6:33
